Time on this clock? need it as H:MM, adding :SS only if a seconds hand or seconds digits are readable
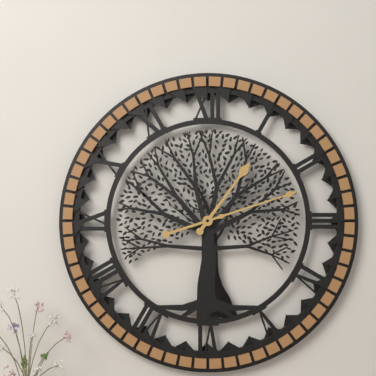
1:12
